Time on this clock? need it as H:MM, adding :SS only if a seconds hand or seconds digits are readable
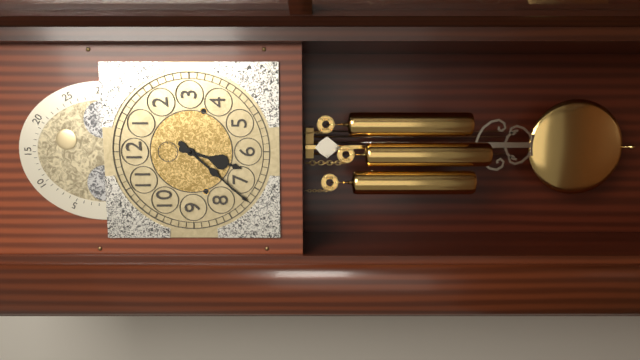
6:37
